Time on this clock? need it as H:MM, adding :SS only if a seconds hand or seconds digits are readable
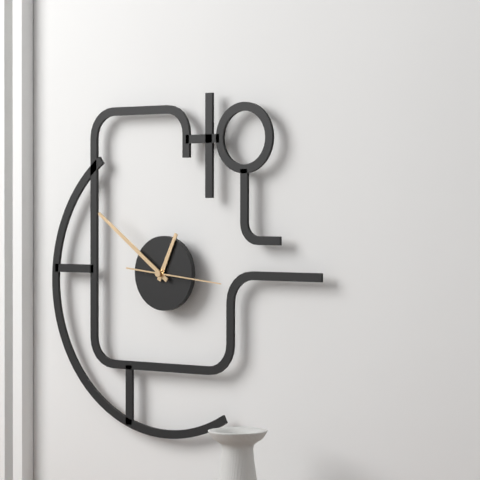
12:51:16
